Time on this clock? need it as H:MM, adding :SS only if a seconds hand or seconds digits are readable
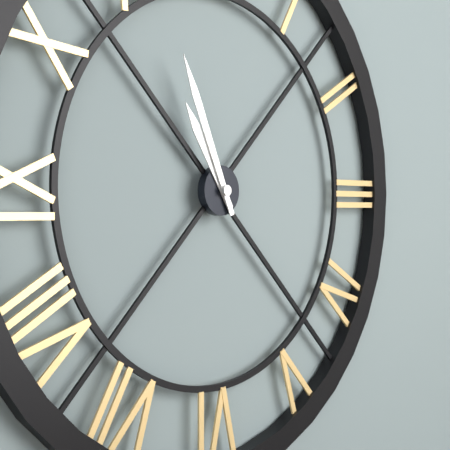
10:56
